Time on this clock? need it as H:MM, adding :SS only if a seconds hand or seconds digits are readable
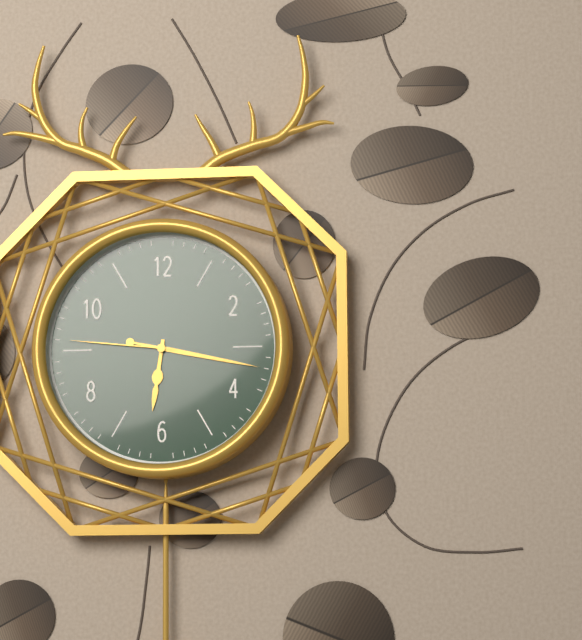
6:17:46
